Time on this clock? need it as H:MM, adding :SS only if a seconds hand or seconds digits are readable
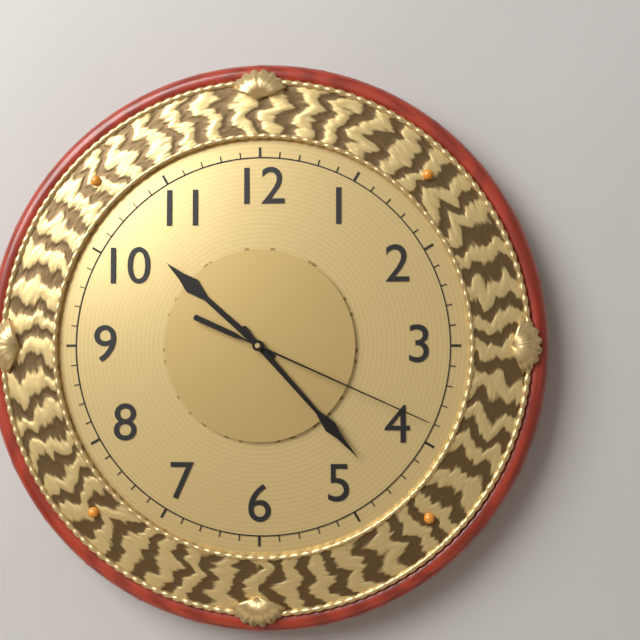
10:23:19
